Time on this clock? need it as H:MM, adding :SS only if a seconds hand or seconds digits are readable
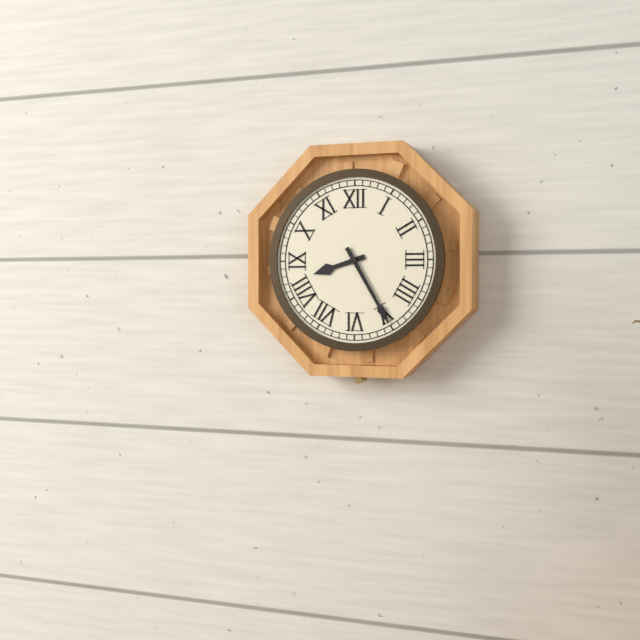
8:25
